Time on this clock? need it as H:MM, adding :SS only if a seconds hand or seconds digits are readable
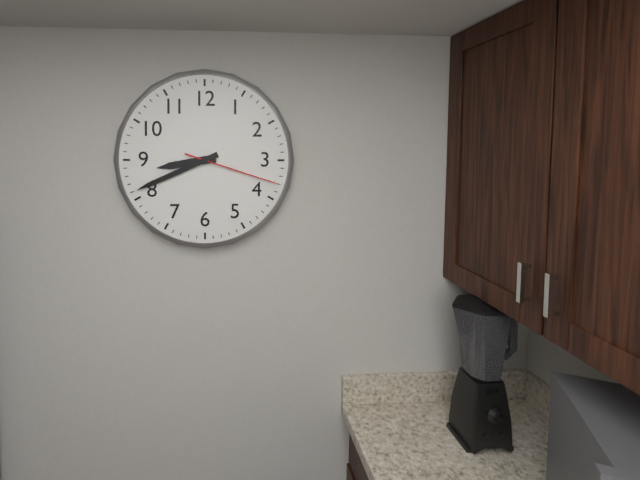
8:41:18
